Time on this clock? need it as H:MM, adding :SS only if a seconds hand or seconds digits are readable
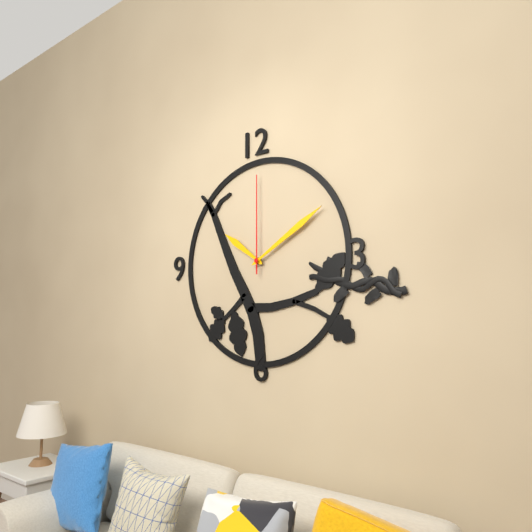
10:10:00
